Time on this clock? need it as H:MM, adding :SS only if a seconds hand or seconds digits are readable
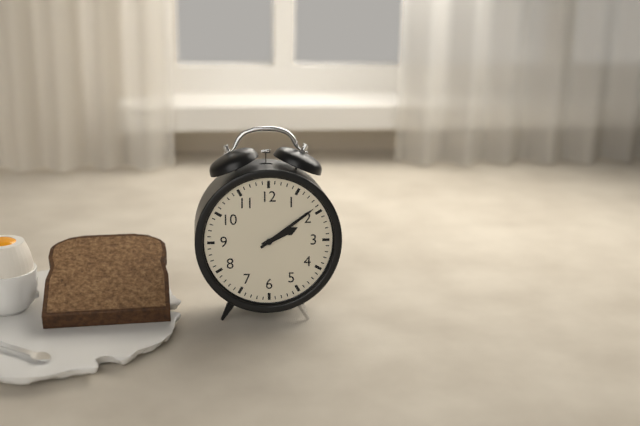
2:09
